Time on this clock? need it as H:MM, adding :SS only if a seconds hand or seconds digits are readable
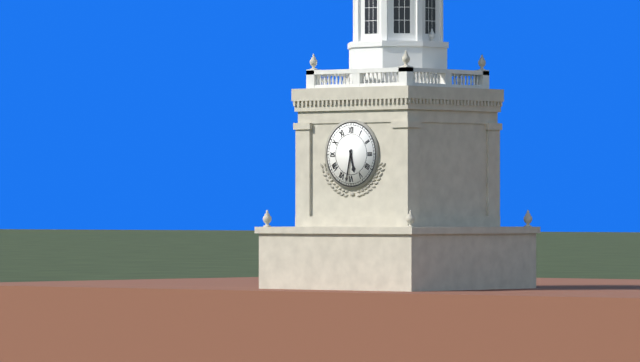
5:32
